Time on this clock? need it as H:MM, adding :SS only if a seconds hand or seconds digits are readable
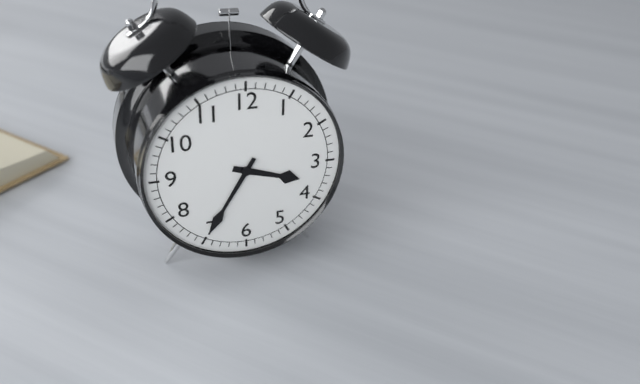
3:35
